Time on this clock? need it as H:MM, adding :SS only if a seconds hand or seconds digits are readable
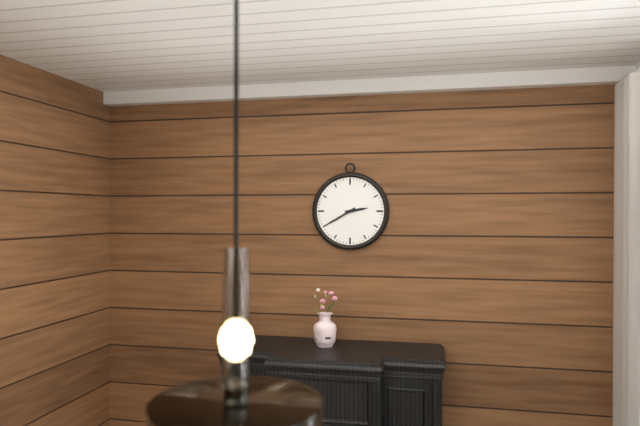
2:40
